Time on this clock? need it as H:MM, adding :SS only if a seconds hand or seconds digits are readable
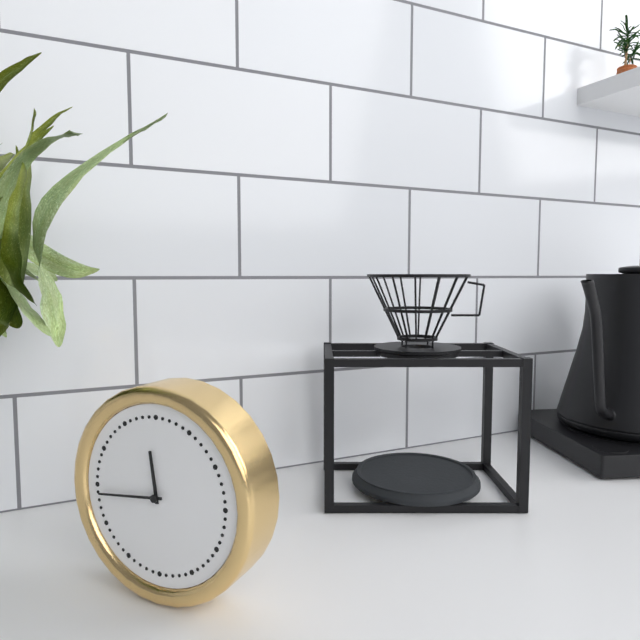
11:44
